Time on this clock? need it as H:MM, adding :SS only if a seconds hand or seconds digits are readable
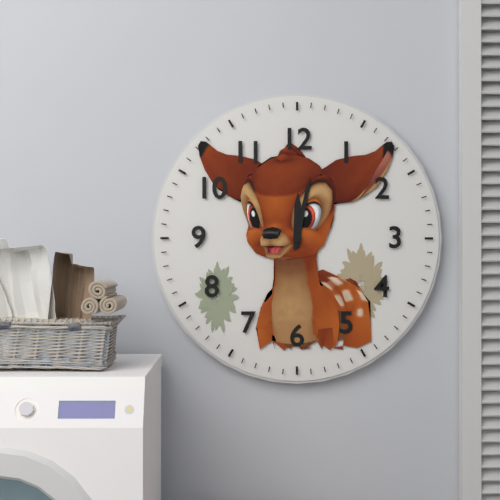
12:02
